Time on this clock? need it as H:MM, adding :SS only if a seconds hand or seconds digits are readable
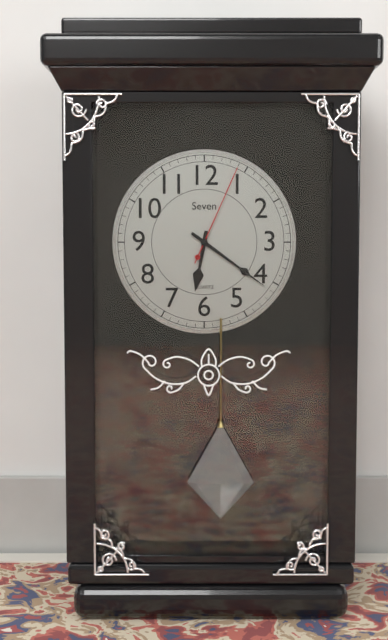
6:21:04
